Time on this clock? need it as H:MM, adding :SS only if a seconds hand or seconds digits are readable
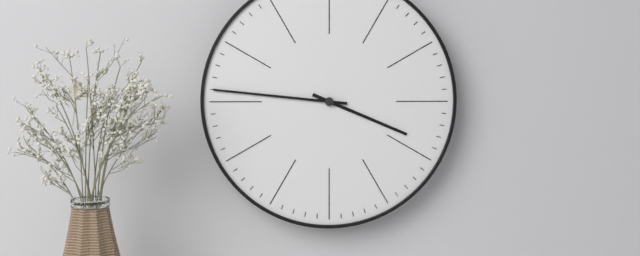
3:46
